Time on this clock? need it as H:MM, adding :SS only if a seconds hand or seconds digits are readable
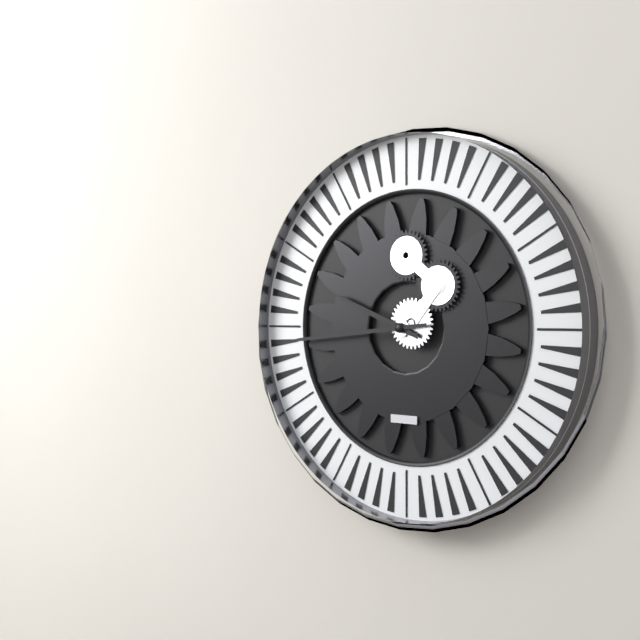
9:44
